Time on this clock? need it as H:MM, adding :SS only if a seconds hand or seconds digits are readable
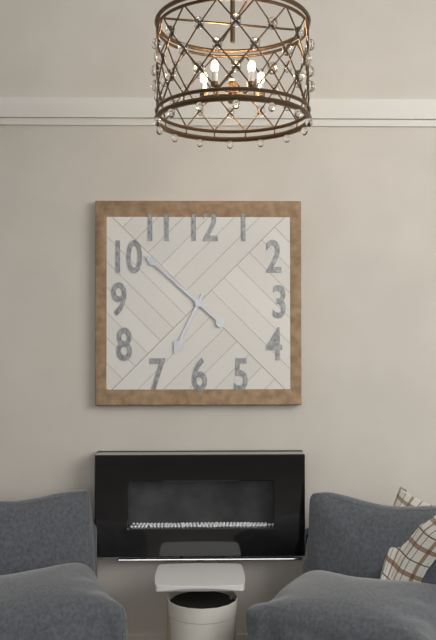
6:52
